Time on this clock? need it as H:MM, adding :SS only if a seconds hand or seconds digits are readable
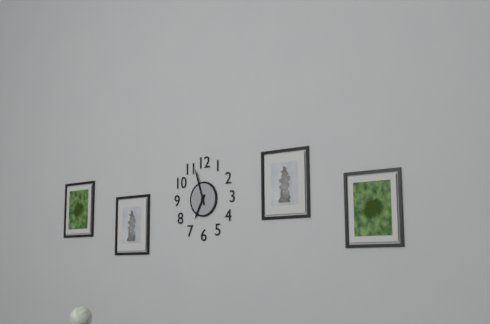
6:57
